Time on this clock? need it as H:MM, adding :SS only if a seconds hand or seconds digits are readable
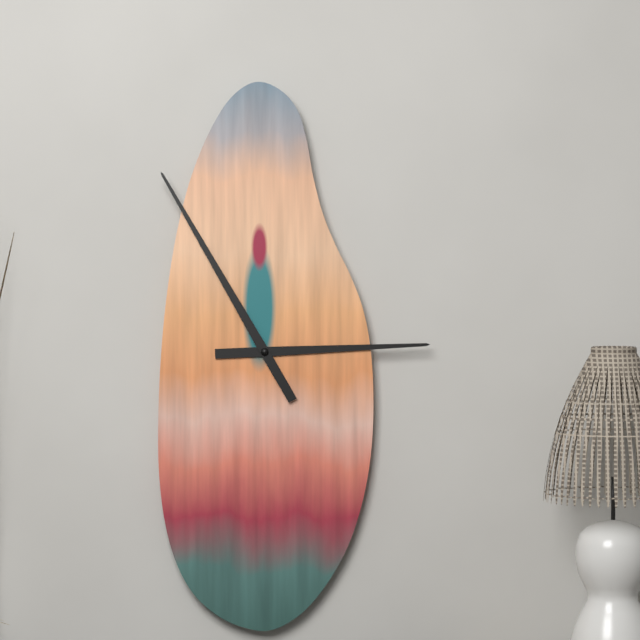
2:55
